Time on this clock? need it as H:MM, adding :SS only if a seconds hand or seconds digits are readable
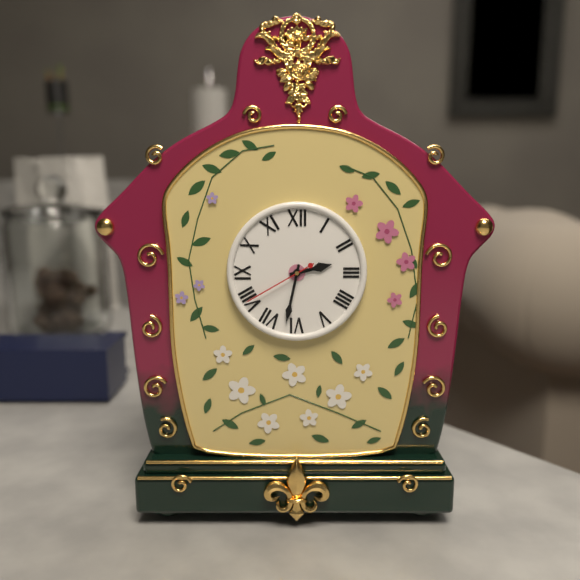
2:32:40
